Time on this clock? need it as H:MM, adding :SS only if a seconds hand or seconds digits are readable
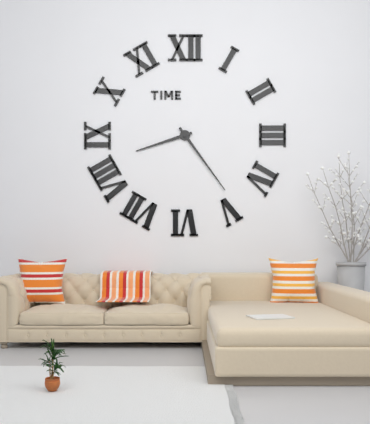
8:24
